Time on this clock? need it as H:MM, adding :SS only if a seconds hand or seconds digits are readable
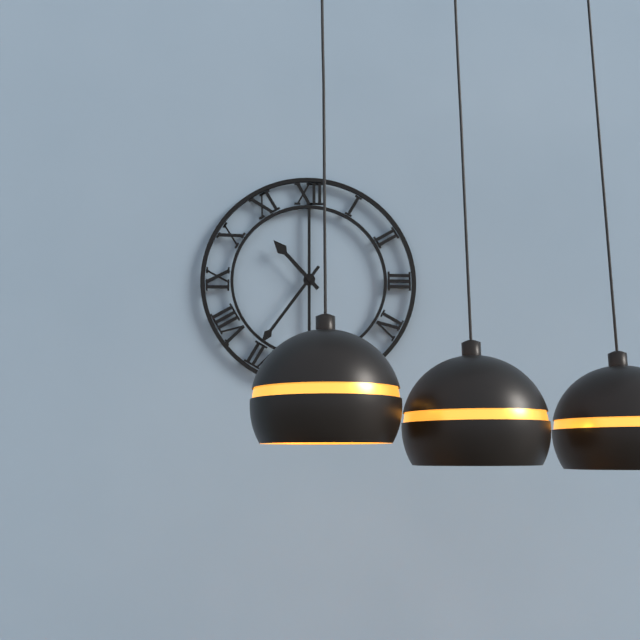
10:36
